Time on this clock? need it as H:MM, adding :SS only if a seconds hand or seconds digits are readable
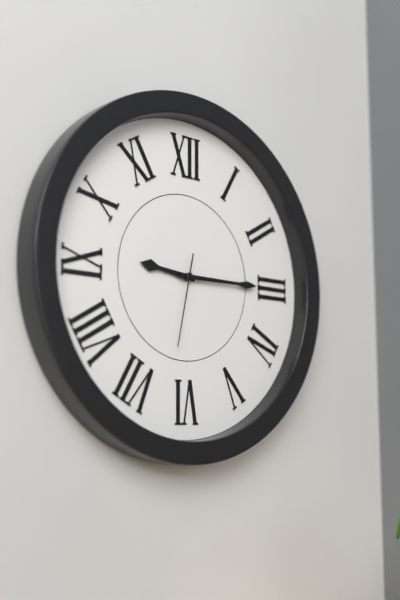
9:15:32
